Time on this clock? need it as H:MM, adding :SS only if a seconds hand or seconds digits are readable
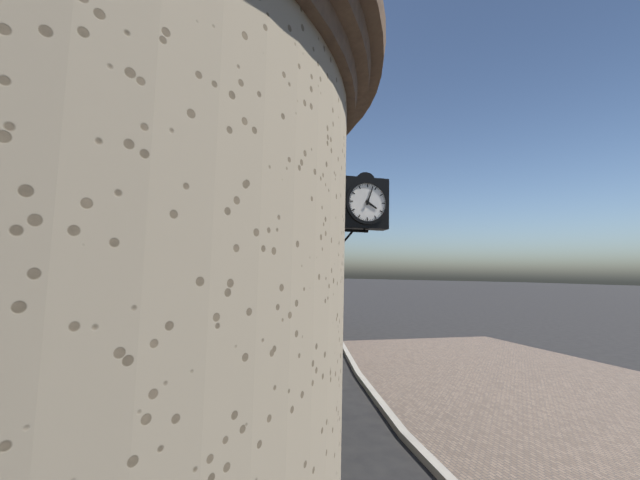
4:03
